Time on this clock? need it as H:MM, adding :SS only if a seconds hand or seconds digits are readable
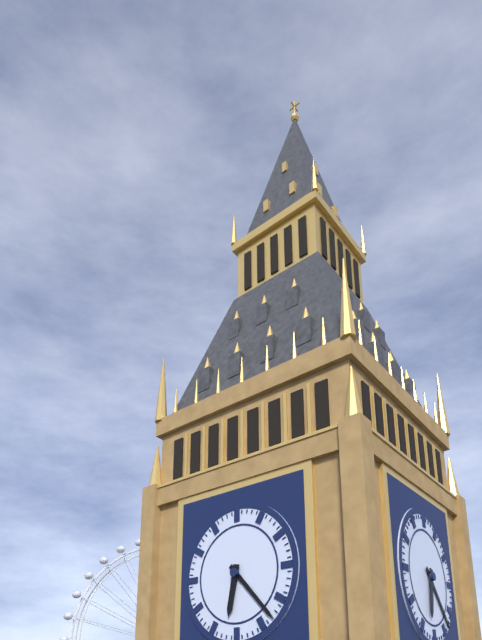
6:23
